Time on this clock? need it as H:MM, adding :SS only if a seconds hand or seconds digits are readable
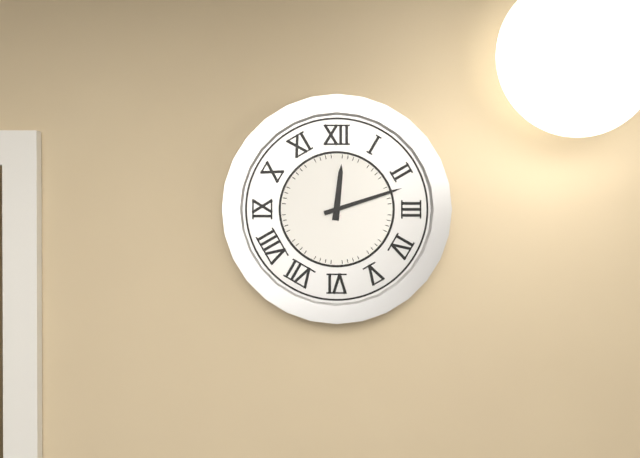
12:12
